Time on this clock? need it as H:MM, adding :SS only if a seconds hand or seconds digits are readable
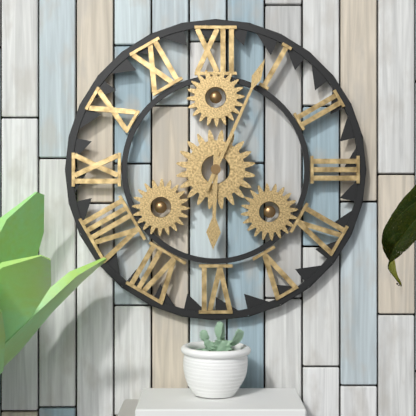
6:04
